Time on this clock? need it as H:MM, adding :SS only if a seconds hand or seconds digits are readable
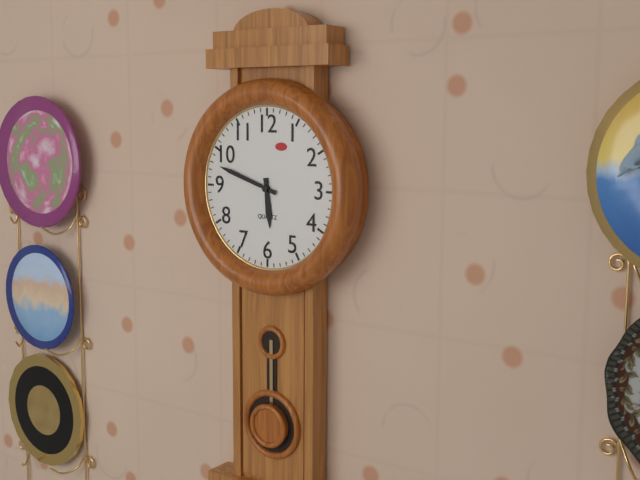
5:48
